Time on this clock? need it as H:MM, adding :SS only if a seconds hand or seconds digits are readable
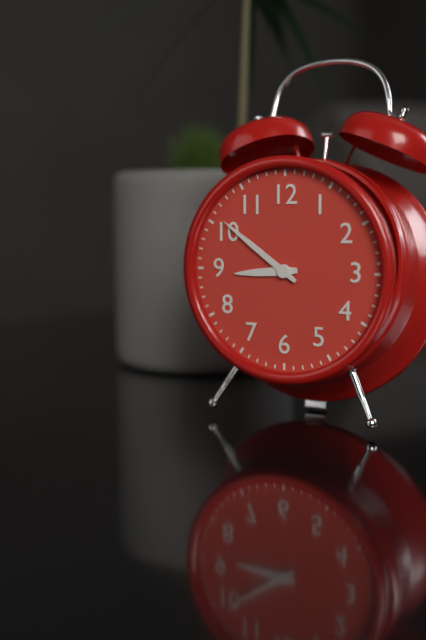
8:51
